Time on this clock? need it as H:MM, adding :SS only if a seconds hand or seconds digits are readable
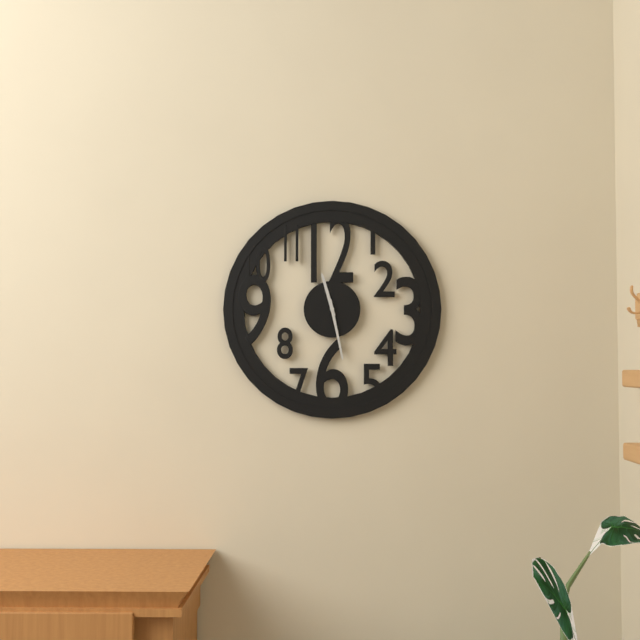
11:28
